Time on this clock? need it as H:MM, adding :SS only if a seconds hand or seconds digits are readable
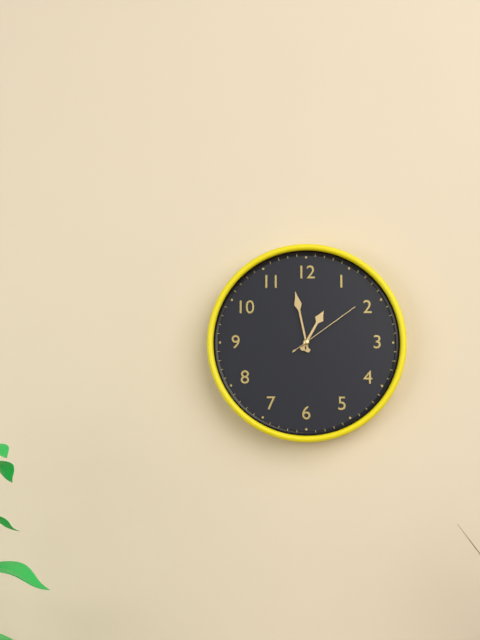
12:58:09
